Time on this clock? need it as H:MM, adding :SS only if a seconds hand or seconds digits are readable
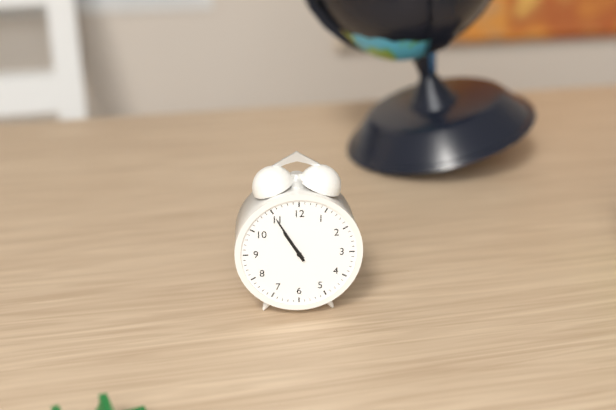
10:55
